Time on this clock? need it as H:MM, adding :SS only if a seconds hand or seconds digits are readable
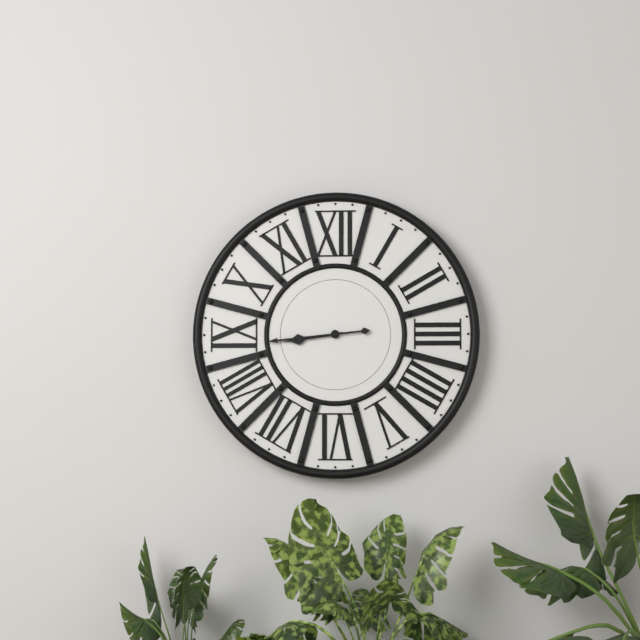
8:44
